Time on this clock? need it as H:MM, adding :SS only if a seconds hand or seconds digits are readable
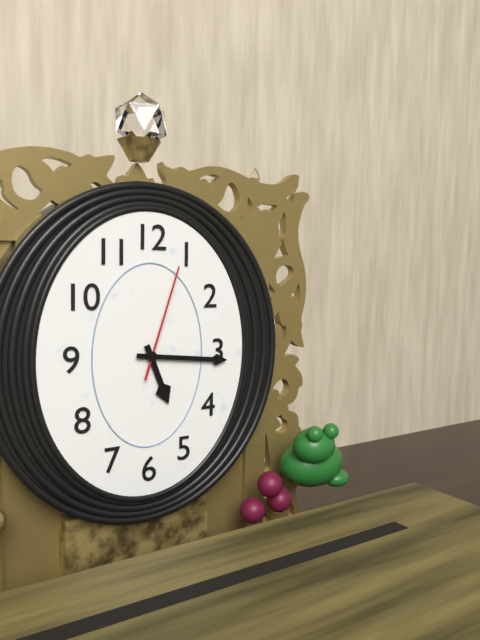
5:16:03
